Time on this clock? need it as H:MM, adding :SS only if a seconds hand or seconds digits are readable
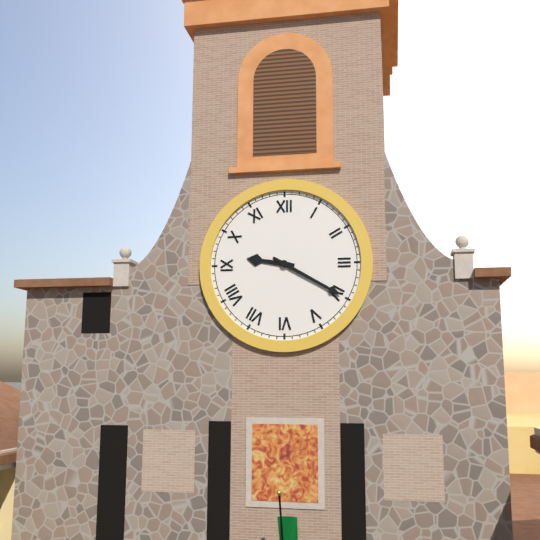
9:20
